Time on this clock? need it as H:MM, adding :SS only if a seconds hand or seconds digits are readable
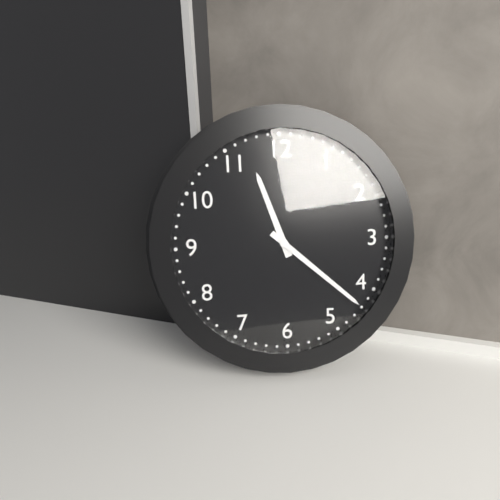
11:22
